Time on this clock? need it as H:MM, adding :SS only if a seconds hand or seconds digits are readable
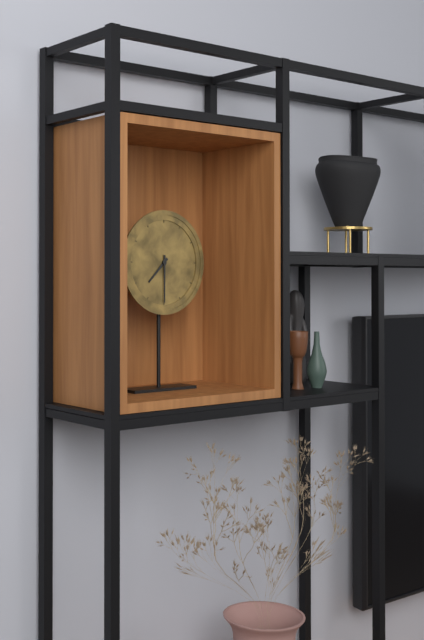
7:30
